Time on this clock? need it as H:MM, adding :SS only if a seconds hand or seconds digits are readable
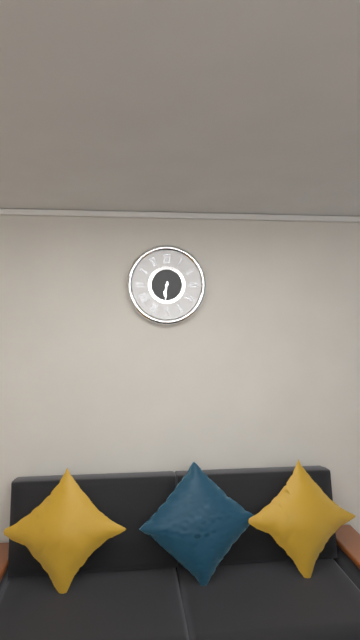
6:31
